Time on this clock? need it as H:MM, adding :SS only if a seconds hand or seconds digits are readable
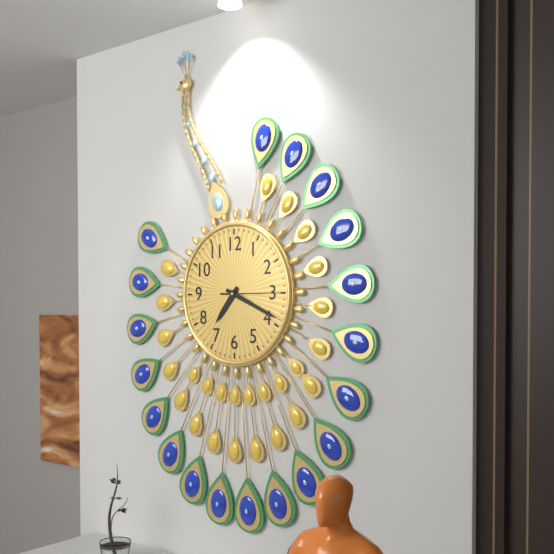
7:19:15
